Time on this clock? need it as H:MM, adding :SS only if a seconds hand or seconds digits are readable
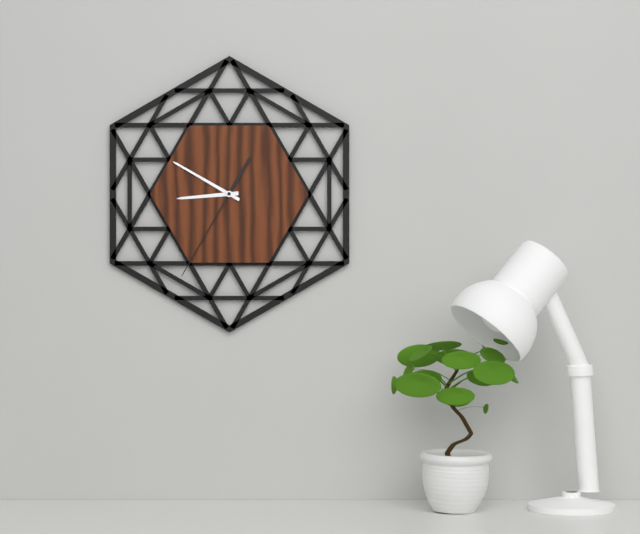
8:50:35
